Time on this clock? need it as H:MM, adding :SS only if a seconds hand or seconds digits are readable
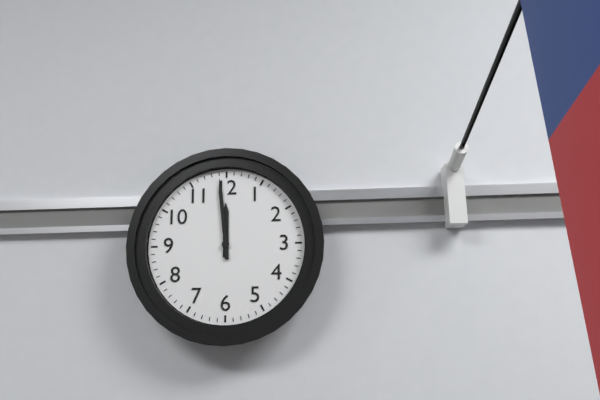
11:59
